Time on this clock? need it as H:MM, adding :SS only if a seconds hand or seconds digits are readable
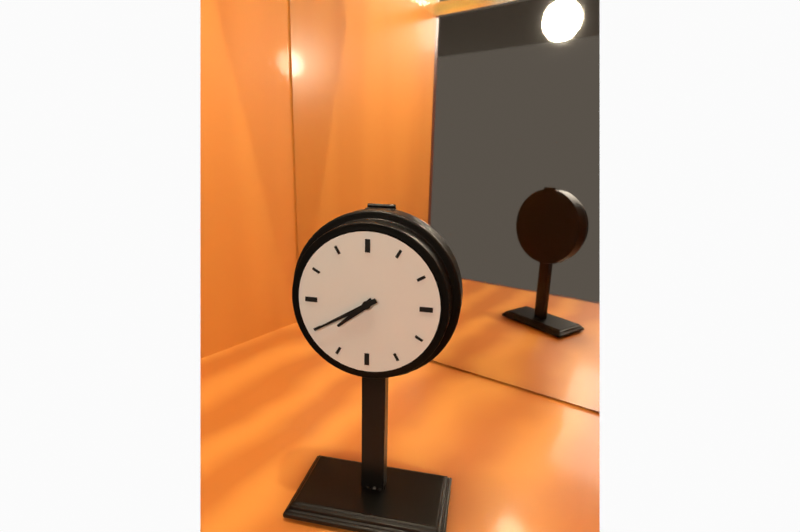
7:40
